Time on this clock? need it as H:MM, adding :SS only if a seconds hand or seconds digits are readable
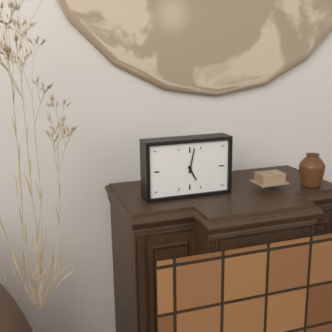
5:02
